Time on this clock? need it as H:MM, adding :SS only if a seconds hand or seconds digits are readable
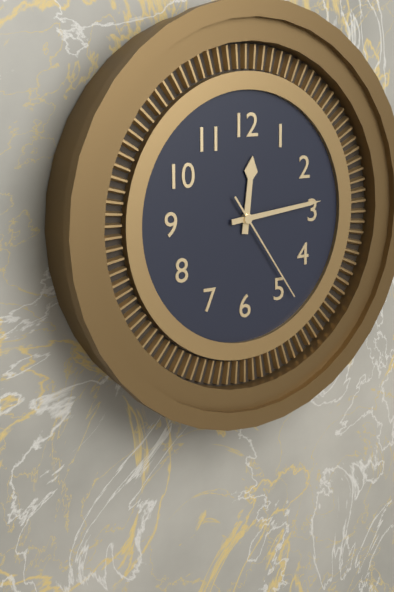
12:14:24
